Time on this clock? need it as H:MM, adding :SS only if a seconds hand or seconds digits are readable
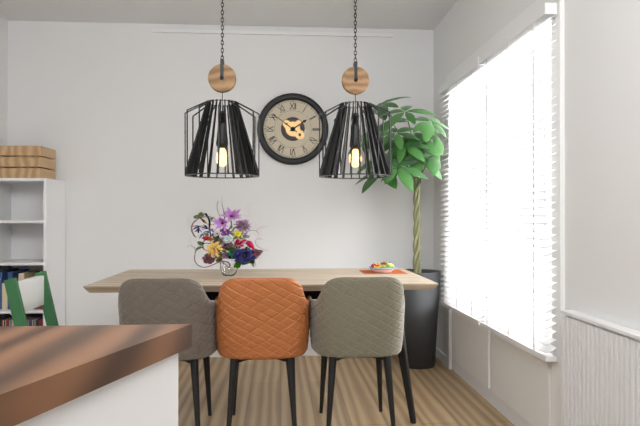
1:51
